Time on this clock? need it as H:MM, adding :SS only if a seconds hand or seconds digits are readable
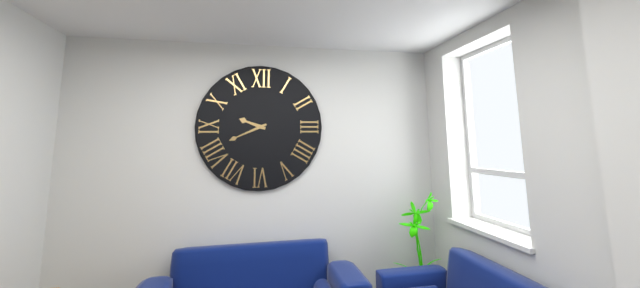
9:41
